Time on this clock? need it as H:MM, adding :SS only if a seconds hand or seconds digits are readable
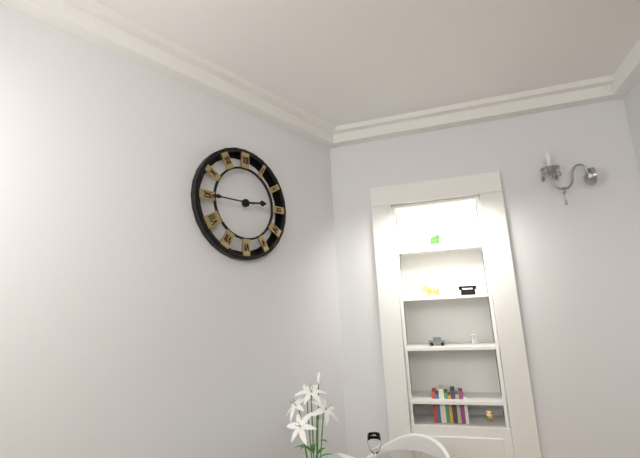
2:45
